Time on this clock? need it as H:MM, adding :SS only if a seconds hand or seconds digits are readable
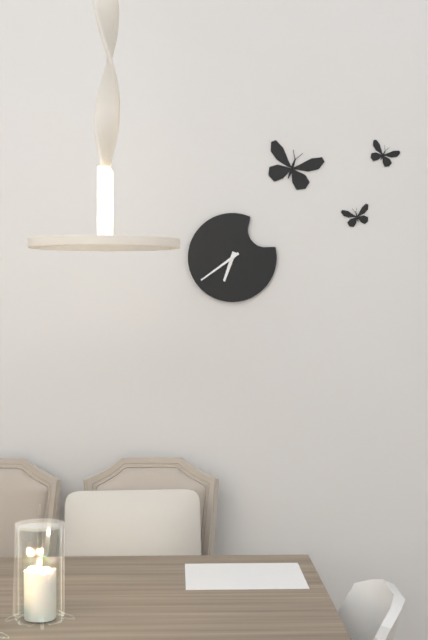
6:39
